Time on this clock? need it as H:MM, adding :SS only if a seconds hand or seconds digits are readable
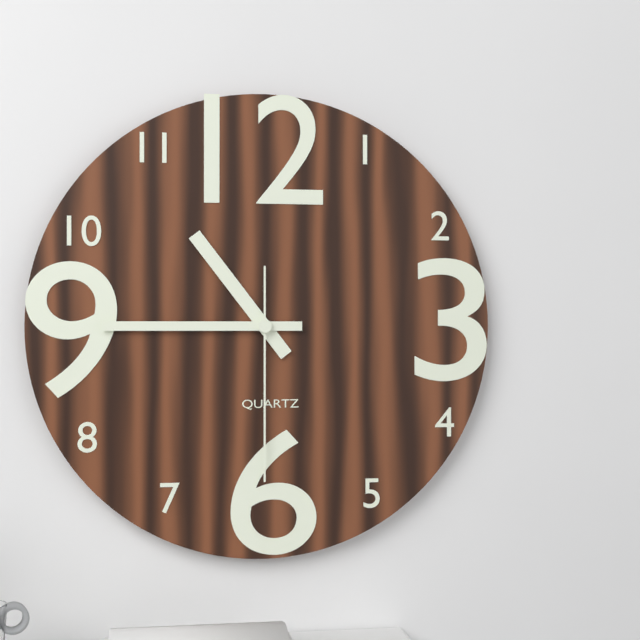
10:45:30
